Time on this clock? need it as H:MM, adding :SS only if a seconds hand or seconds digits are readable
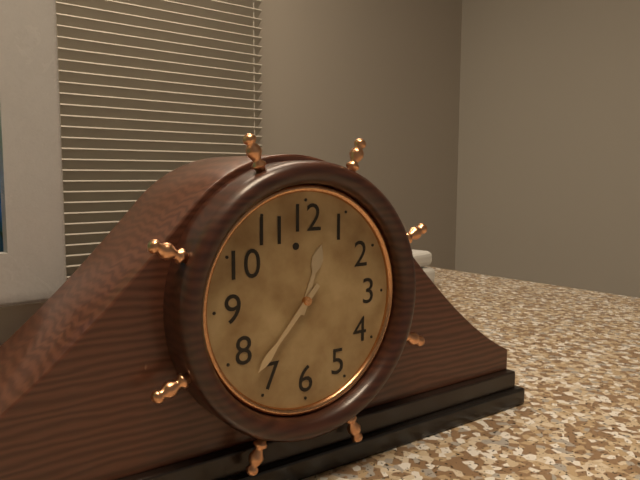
12:37
